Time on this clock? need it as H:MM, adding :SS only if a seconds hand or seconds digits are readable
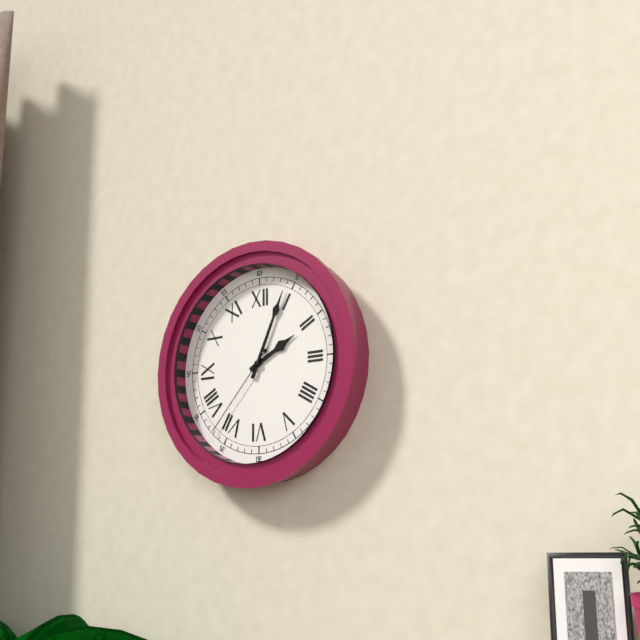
2:04:37
